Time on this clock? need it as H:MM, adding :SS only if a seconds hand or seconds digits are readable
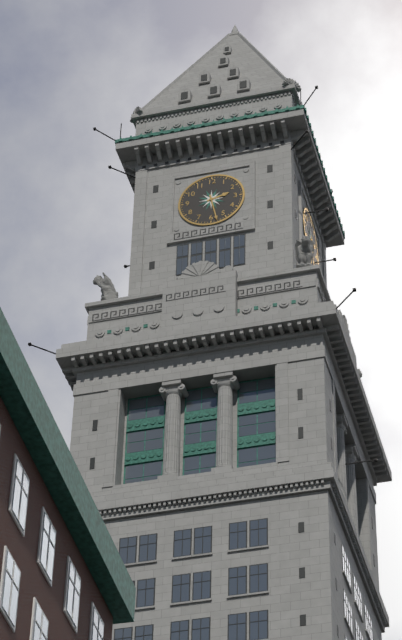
2:28
